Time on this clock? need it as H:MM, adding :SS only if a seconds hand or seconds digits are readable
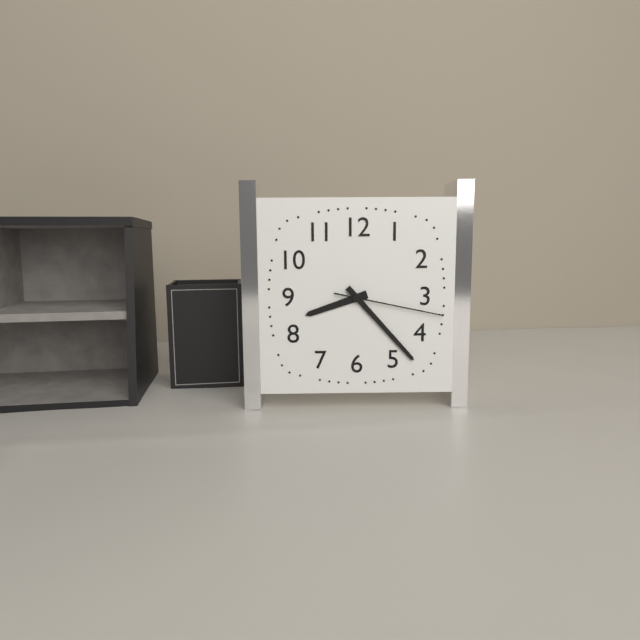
8:23:17
